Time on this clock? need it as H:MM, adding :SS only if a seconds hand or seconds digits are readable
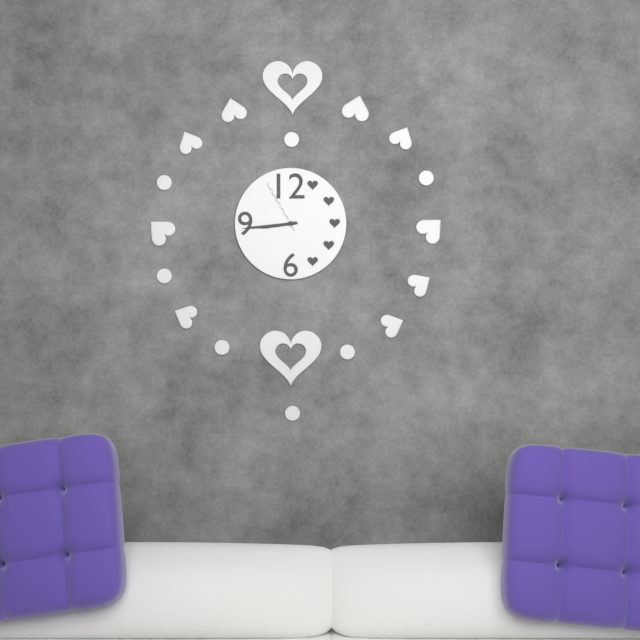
8:44:55
